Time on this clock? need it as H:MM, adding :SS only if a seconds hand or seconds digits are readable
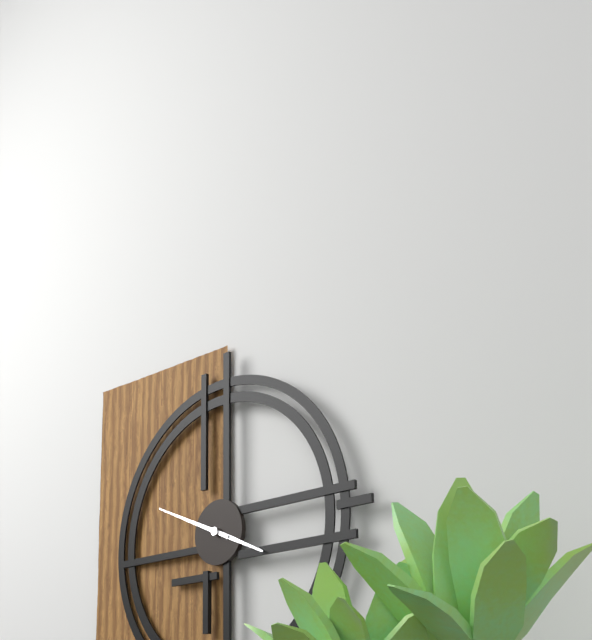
3:49
